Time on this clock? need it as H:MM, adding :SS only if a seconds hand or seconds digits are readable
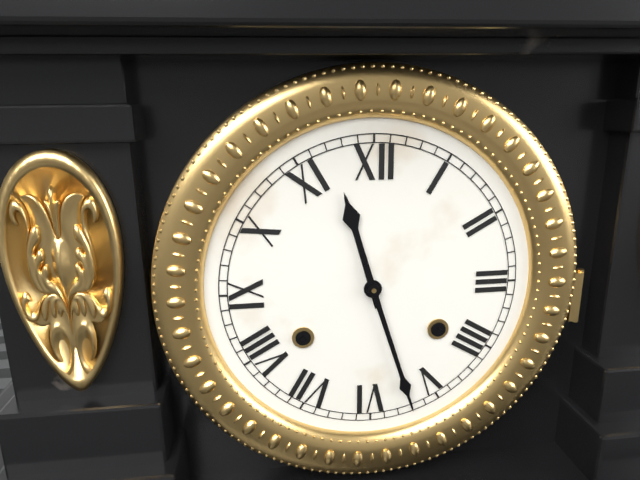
11:27
